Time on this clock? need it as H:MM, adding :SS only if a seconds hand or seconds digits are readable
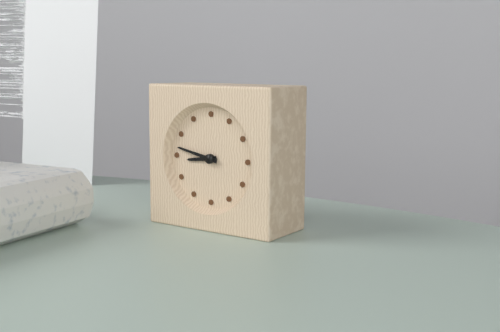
8:47
